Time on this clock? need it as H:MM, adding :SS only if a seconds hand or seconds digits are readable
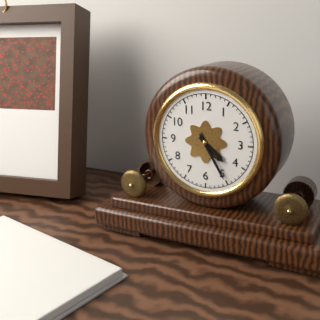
4:25
